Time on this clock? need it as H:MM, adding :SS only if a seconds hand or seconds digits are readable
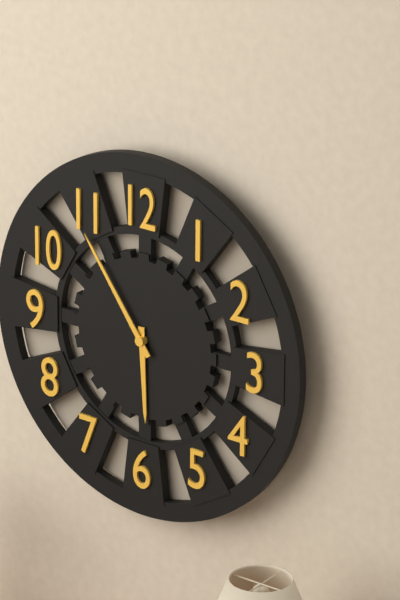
5:54
